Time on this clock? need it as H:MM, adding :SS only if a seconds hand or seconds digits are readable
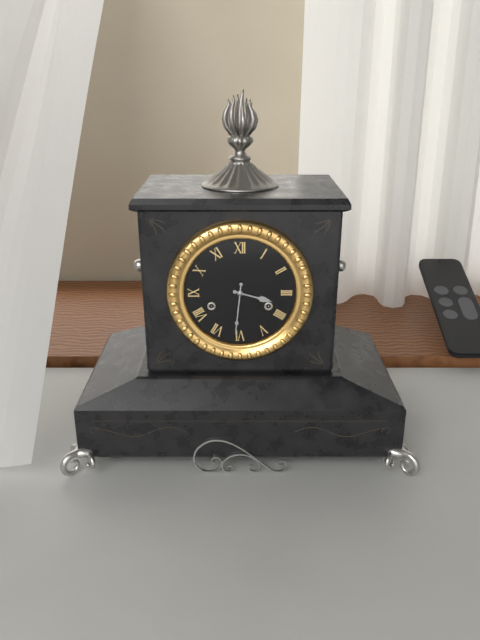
3:31
